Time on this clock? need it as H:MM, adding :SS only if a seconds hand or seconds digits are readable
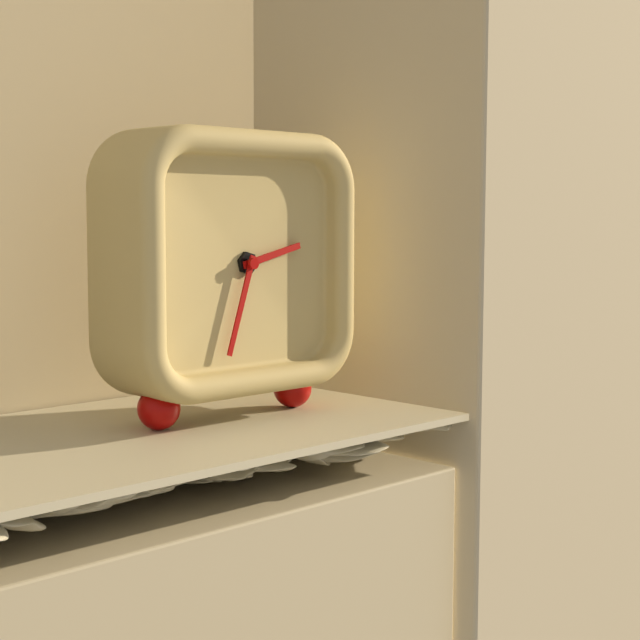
2:33
